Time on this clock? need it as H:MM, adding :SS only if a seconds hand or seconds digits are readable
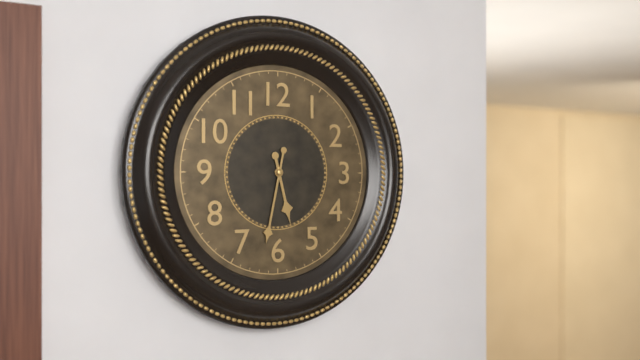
5:32
